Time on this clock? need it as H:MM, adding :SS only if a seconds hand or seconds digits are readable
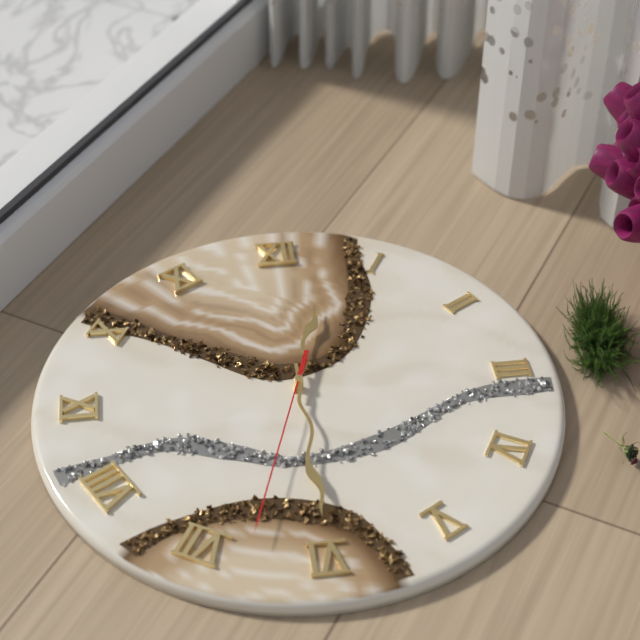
12:30:33
